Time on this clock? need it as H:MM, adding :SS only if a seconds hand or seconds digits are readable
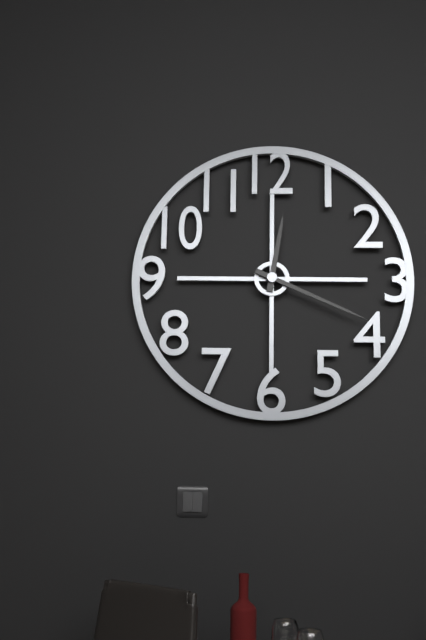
12:19
